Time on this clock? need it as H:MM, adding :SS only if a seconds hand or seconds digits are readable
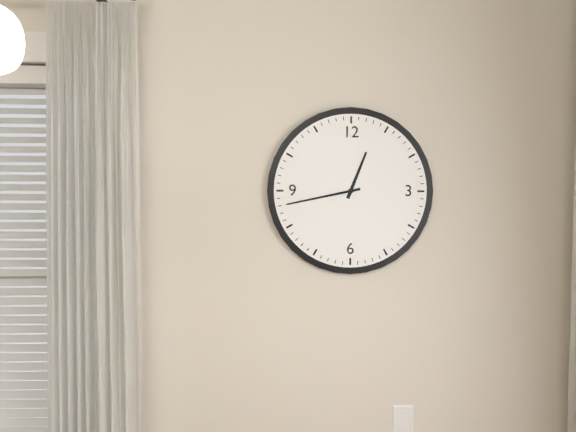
12:43
